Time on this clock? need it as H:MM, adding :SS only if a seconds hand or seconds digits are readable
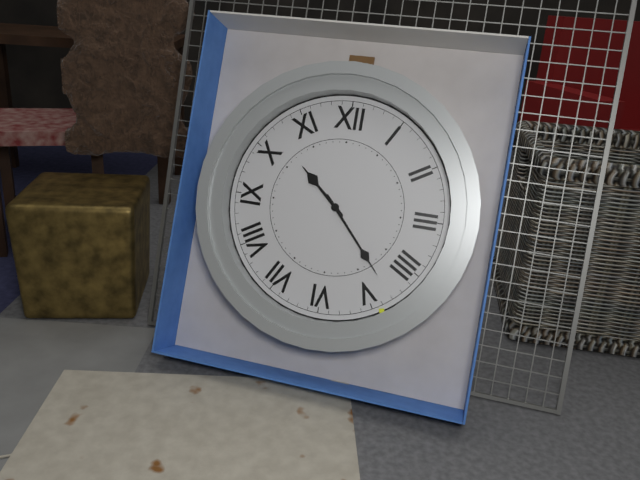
10:23
